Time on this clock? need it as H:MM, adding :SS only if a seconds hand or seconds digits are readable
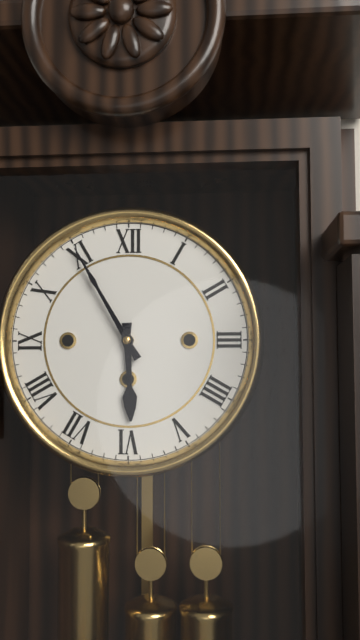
5:55
